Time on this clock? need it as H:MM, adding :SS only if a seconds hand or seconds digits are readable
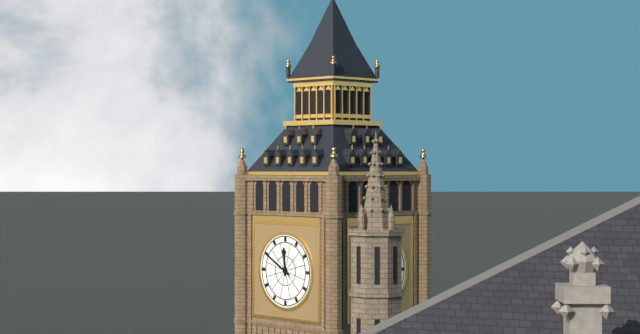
11:50
